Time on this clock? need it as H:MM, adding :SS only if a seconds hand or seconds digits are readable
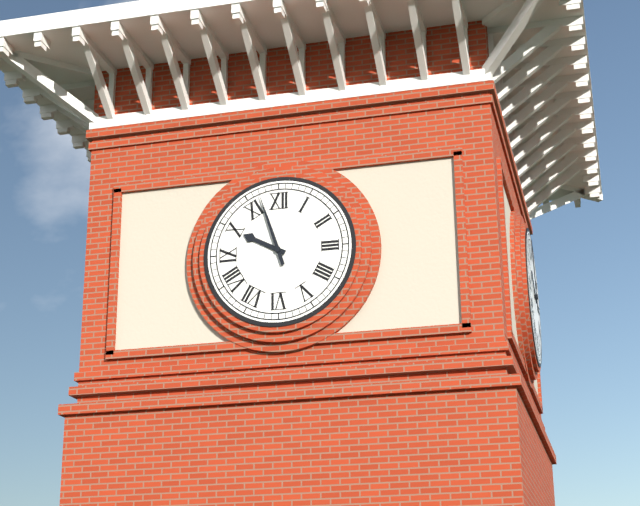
9:57
